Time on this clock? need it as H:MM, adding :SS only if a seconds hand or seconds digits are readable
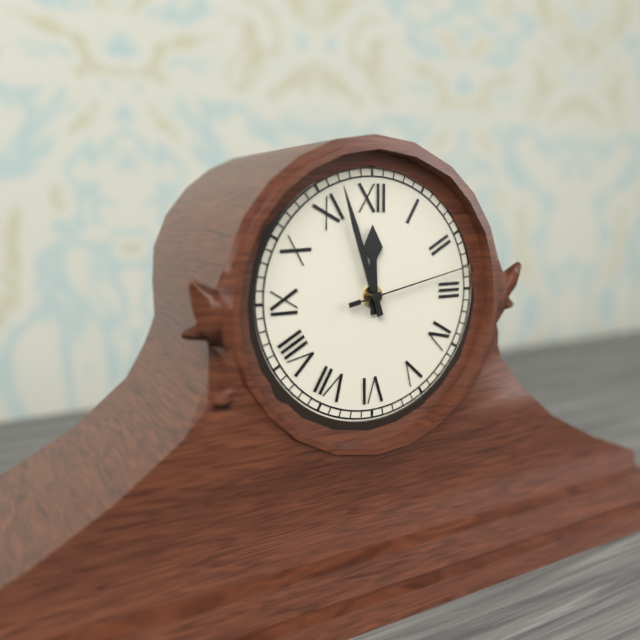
11:57:13
